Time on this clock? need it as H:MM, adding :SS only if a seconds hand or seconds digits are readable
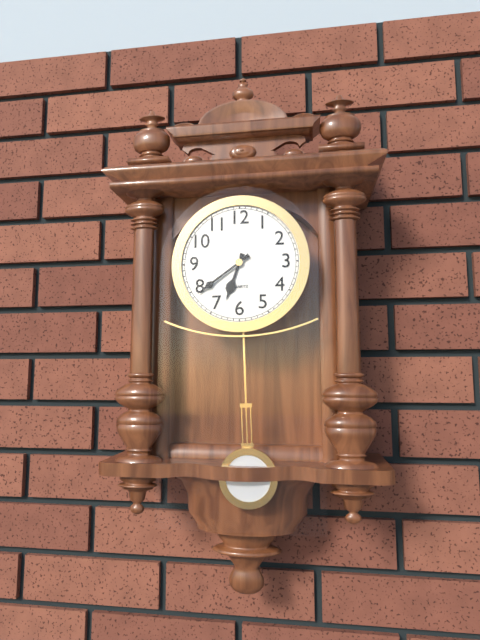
6:39
